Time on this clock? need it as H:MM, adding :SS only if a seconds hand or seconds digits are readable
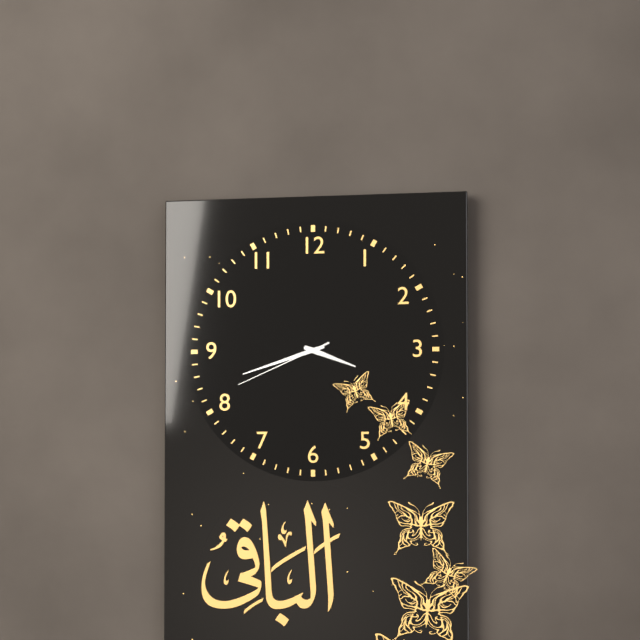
3:42:41
